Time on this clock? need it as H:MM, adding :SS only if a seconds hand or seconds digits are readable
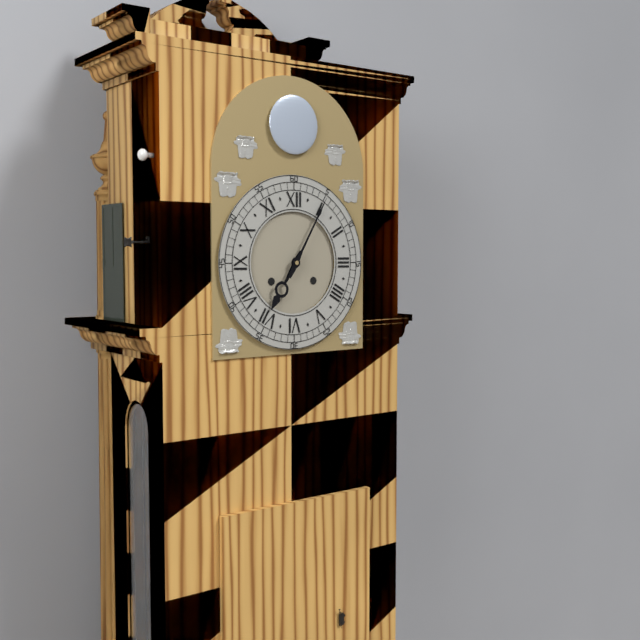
7:05
